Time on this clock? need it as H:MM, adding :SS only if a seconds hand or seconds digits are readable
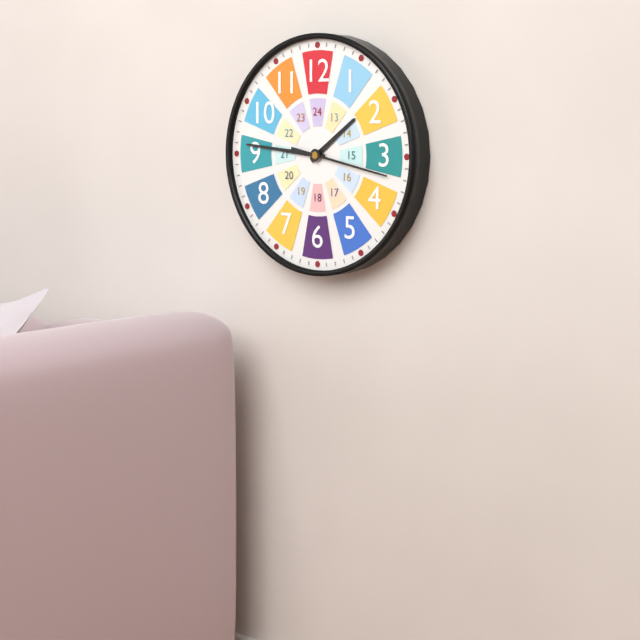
1:46:17
